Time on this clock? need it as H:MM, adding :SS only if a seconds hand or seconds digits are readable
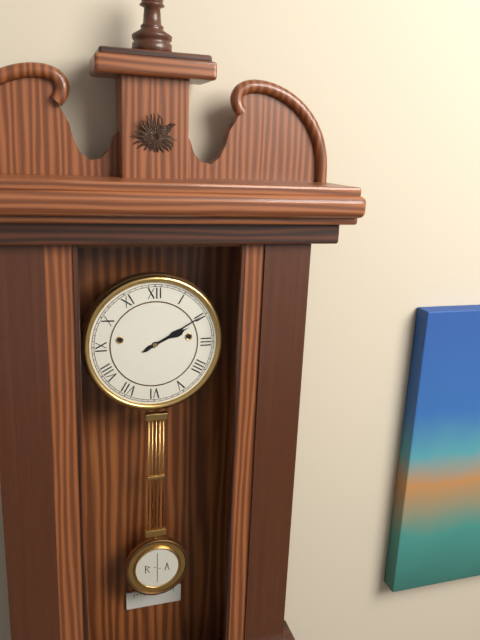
2:10
